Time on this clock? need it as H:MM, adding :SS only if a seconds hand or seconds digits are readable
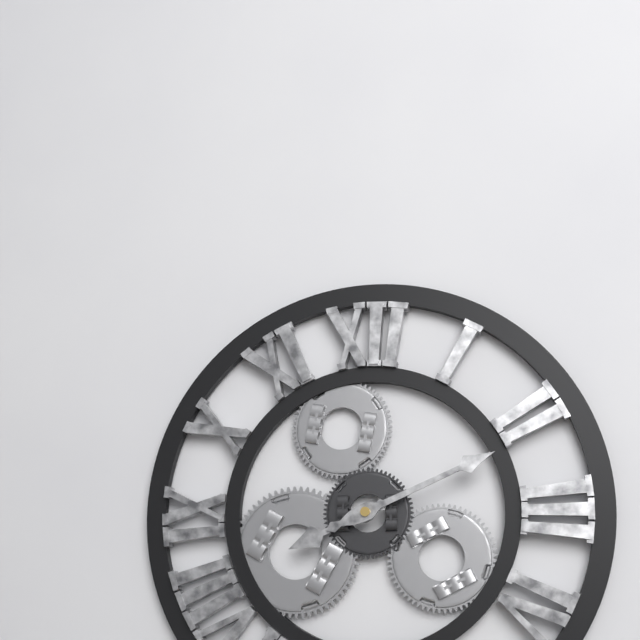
8:11
